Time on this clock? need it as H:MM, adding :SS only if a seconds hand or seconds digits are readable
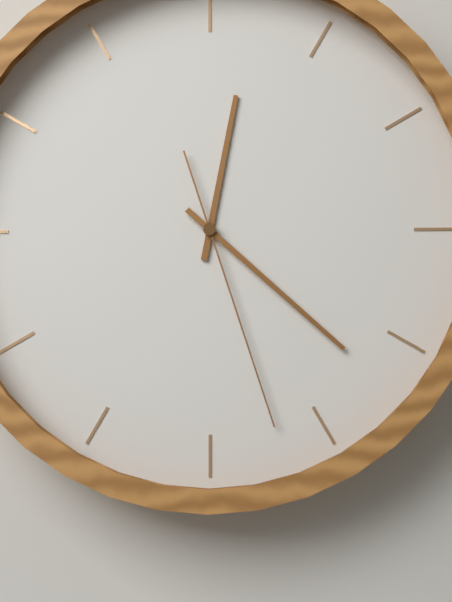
12:22:27
